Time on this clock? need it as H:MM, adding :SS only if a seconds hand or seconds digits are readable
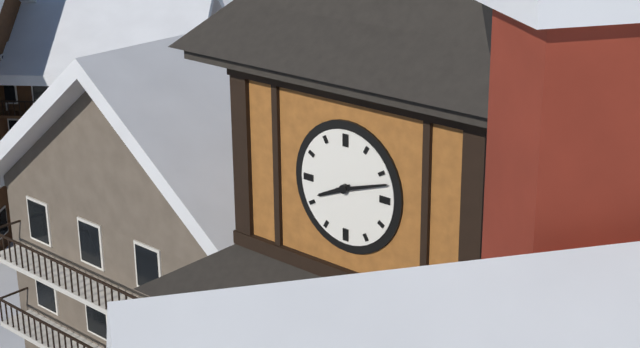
8:12
